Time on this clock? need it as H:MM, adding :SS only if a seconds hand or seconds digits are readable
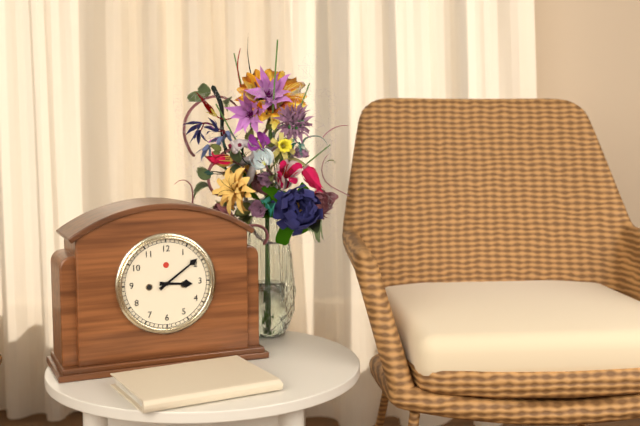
3:09
